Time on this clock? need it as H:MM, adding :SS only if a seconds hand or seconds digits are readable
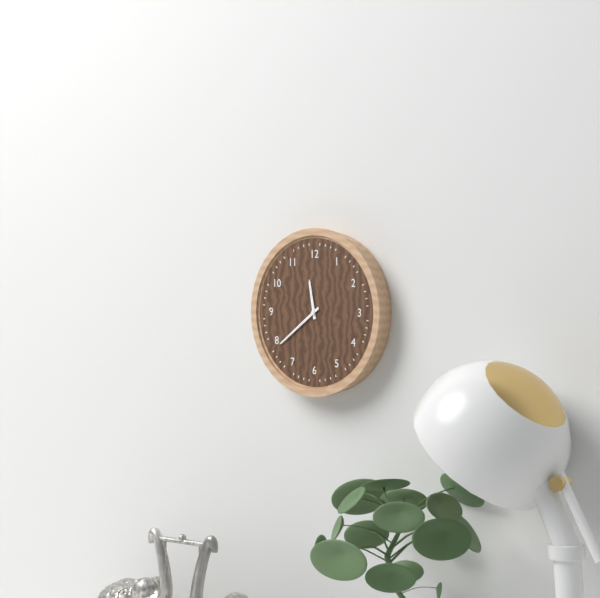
11:39
